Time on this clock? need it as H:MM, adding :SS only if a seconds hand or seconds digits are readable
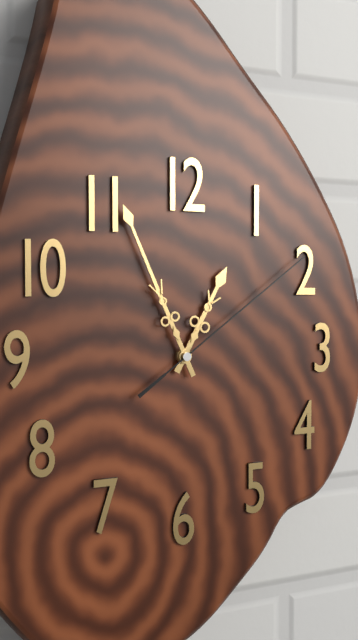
12:56:09
